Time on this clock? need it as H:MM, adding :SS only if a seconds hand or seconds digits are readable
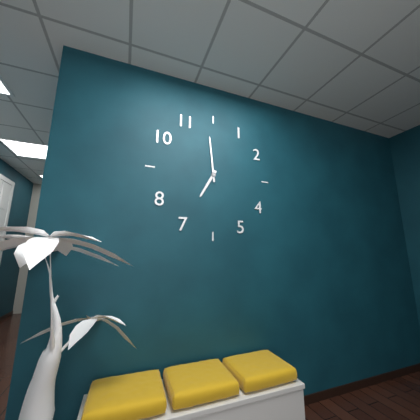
6:59
